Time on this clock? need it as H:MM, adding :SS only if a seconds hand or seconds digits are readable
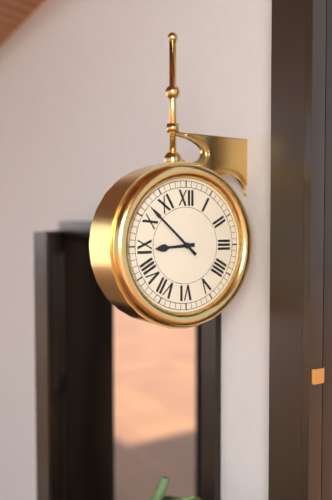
8:52
